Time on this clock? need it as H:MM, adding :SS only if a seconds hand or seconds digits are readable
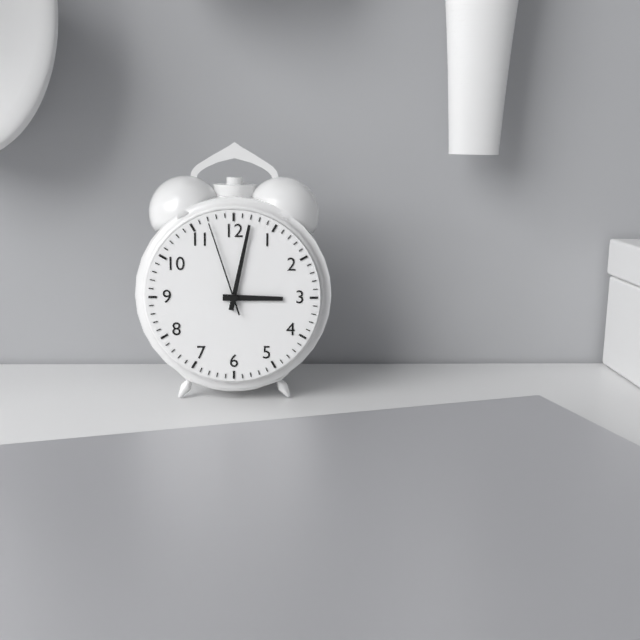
3:02:57
